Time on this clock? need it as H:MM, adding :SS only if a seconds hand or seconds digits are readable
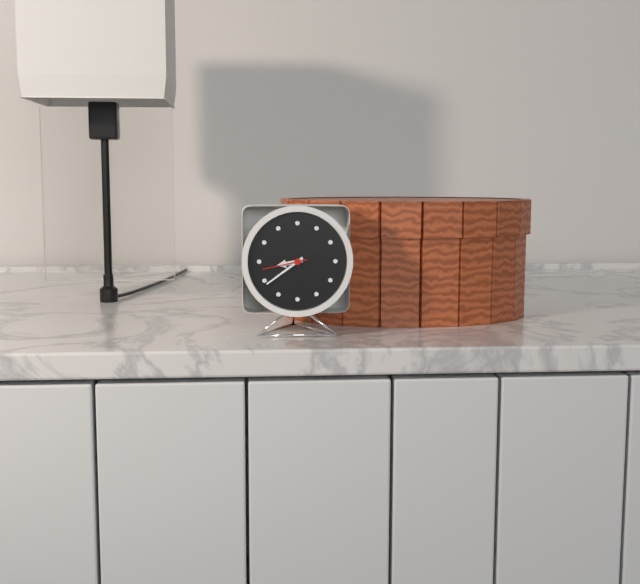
8:39
